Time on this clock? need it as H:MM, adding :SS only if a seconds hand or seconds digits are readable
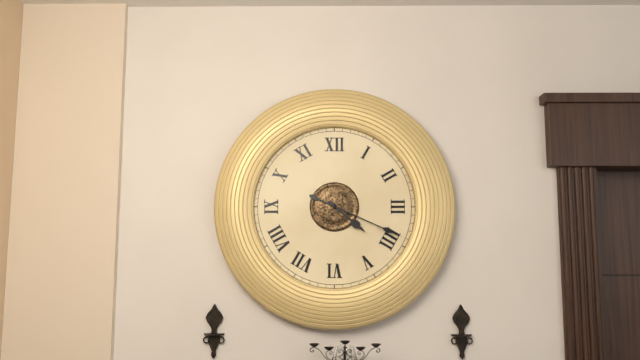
4:19
